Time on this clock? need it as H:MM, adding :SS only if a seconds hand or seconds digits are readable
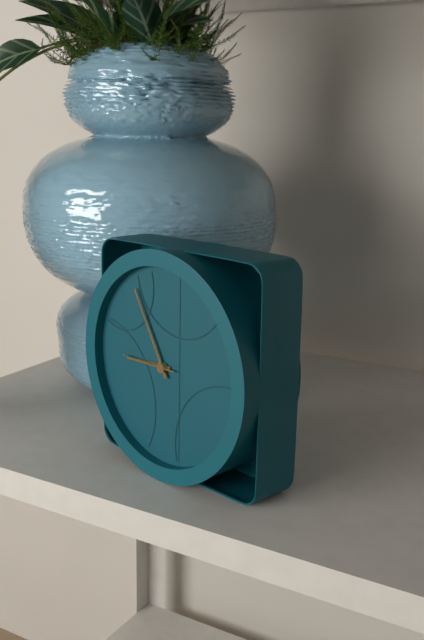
8:55
